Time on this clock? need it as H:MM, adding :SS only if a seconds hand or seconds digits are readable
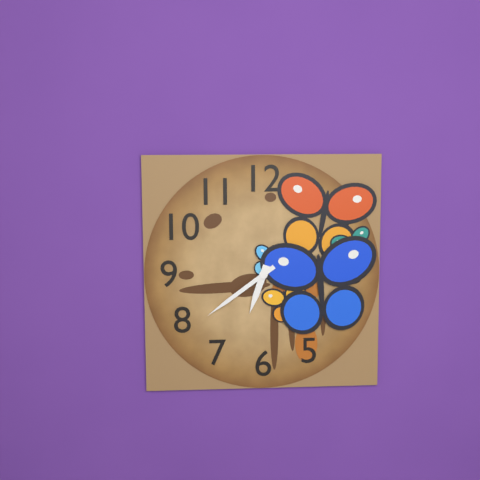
6:39
